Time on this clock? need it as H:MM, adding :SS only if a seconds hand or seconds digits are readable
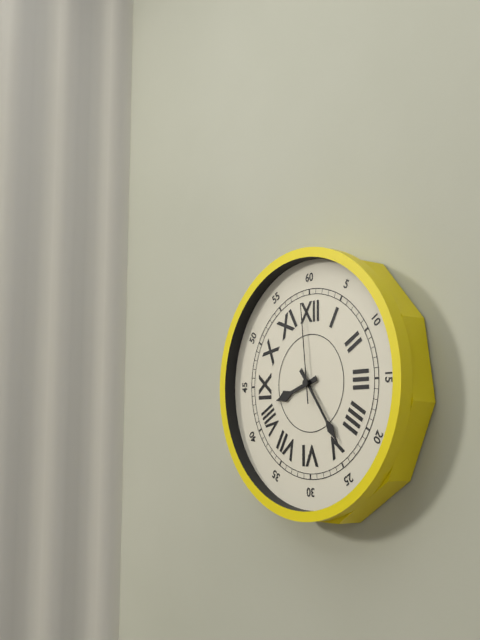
8:24:59
